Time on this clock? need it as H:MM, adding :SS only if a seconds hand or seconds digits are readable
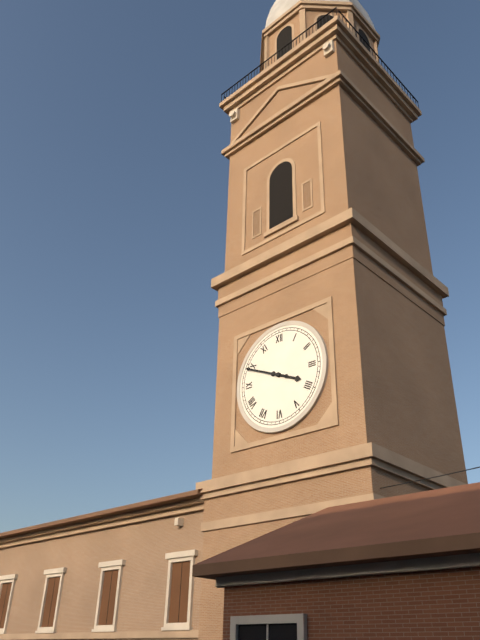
3:49
